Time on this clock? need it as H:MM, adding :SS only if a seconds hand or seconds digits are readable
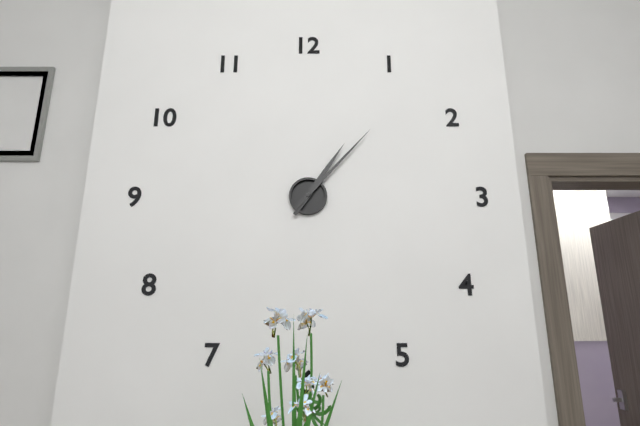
1:07
